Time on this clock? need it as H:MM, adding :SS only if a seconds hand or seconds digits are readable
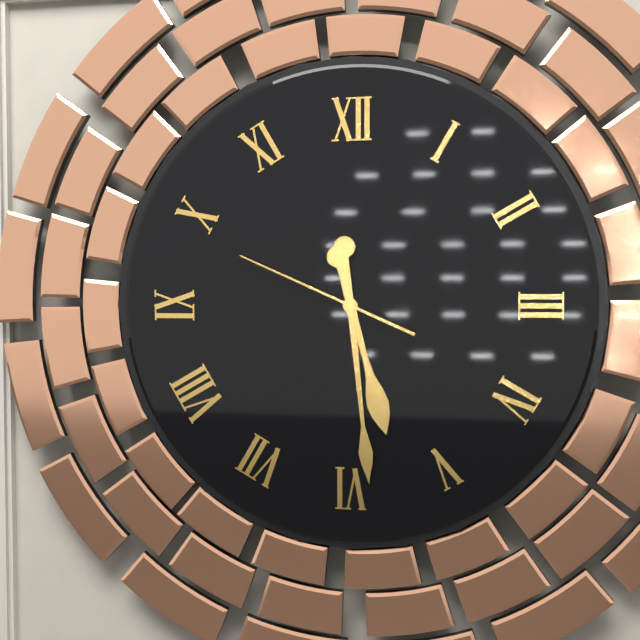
5:29:49
